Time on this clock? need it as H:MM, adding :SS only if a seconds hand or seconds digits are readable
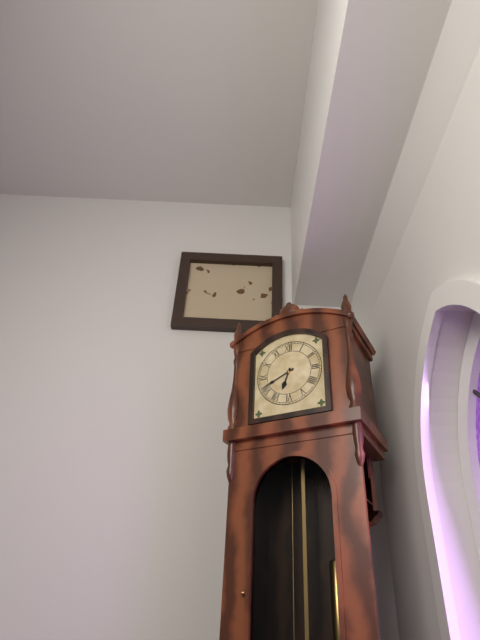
6:41
